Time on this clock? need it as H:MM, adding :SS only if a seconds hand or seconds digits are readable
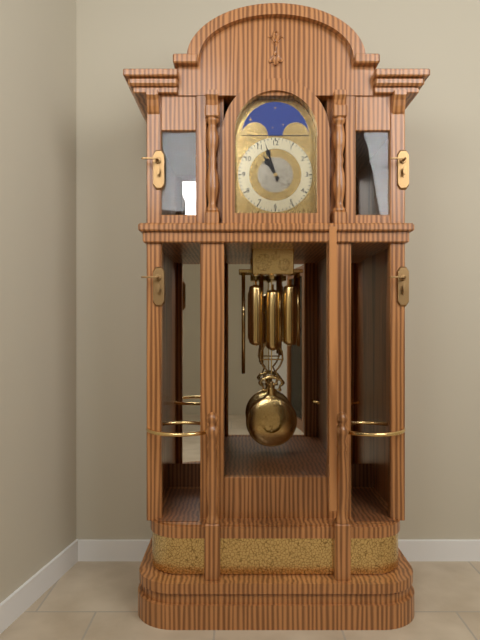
10:57
